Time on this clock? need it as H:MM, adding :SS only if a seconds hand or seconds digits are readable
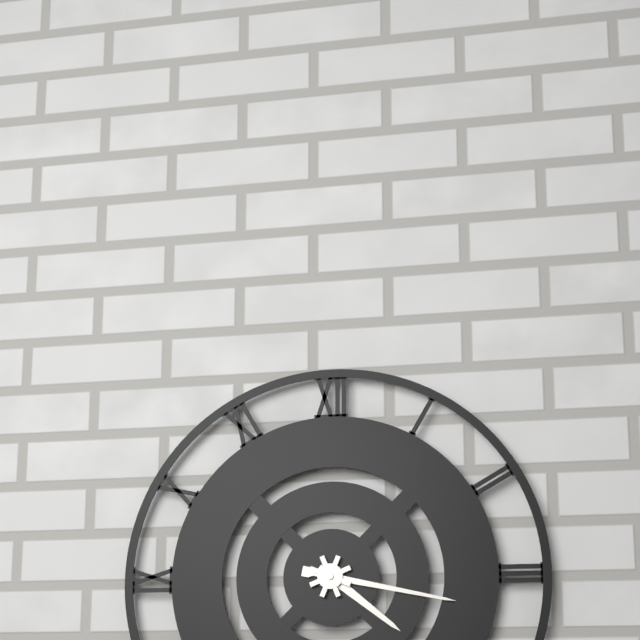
4:17
